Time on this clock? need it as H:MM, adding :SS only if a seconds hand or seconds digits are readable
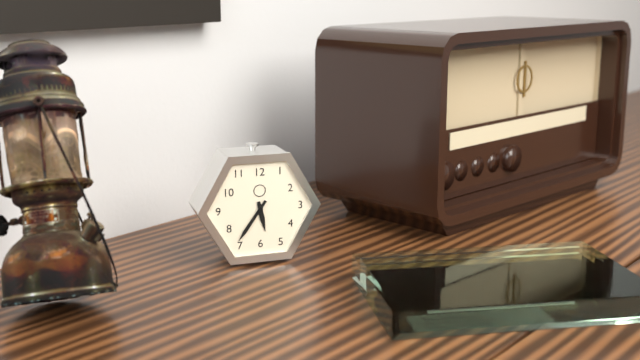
5:36
